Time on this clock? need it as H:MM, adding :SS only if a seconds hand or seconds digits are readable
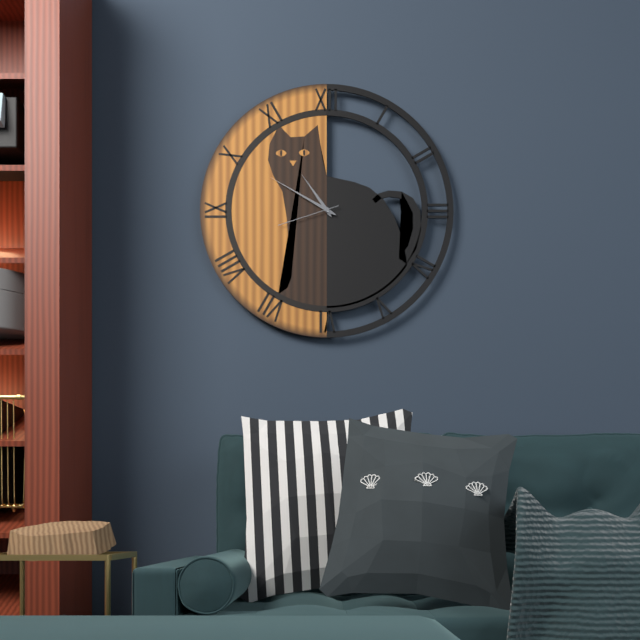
10:50:42
